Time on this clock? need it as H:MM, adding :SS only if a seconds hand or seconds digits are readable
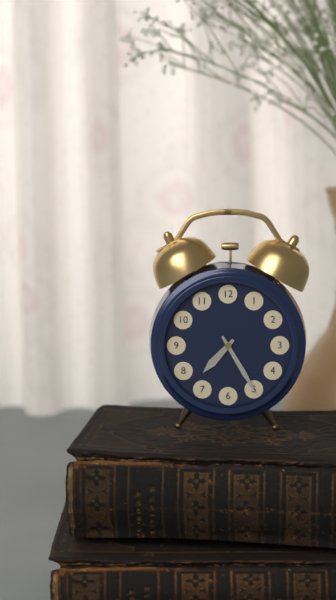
7:25
